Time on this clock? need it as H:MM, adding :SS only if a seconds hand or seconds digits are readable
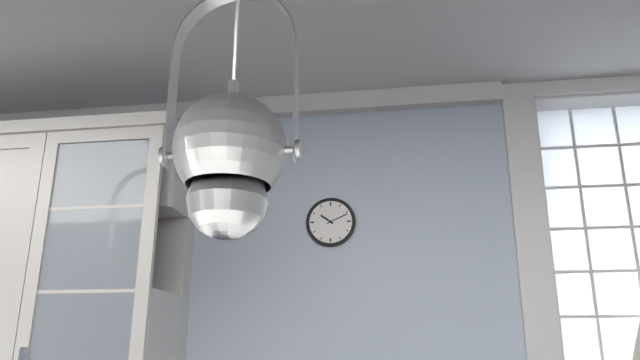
10:11
